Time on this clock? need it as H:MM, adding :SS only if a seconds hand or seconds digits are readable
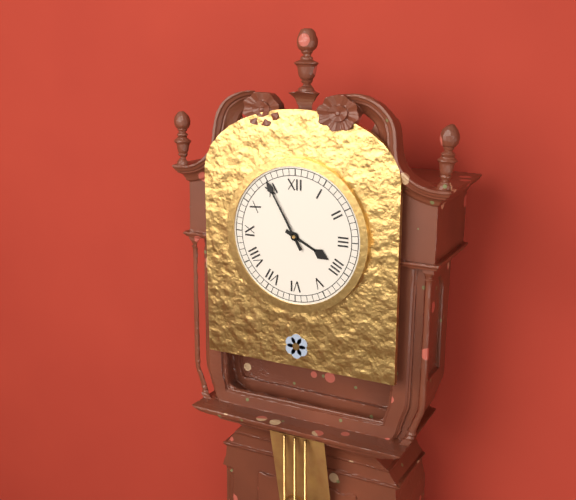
3:55
